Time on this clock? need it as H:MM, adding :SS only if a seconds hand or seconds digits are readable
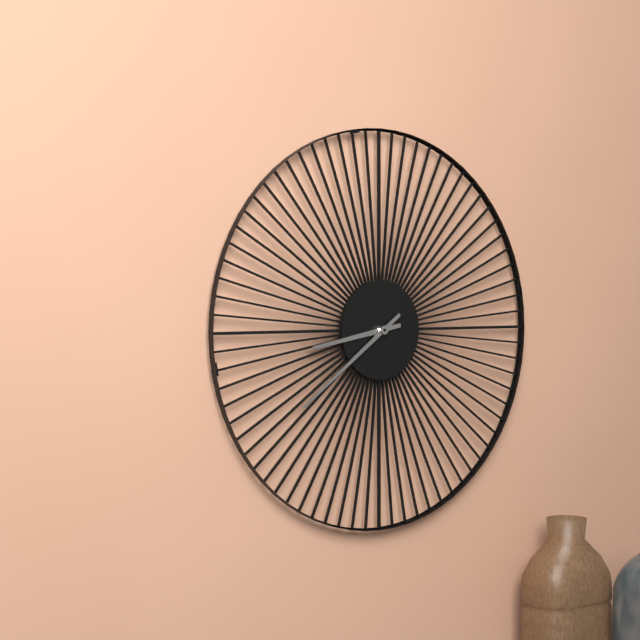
8:39
